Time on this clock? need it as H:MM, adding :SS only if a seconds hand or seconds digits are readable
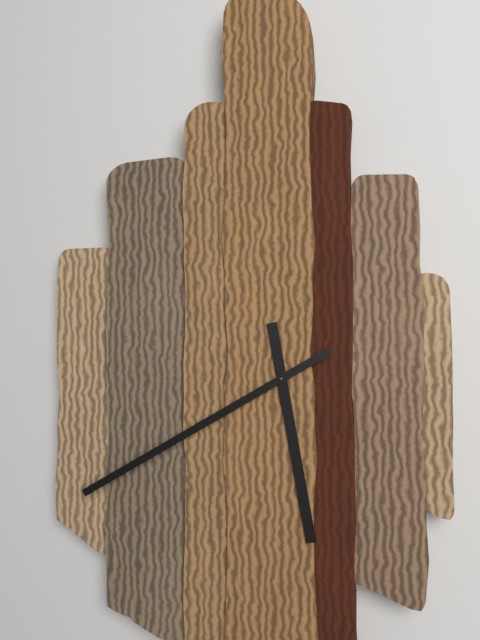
5:40
